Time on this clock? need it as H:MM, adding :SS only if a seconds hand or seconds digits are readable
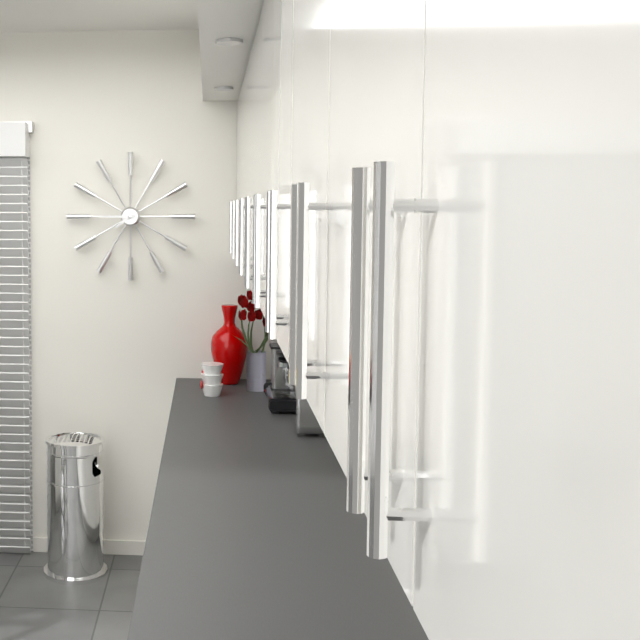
7:45
